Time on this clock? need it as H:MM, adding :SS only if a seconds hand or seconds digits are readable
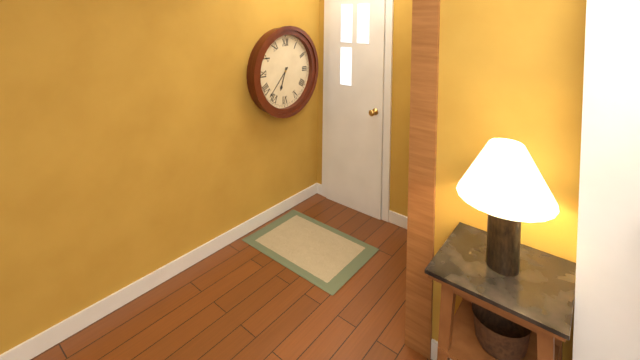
6:37
